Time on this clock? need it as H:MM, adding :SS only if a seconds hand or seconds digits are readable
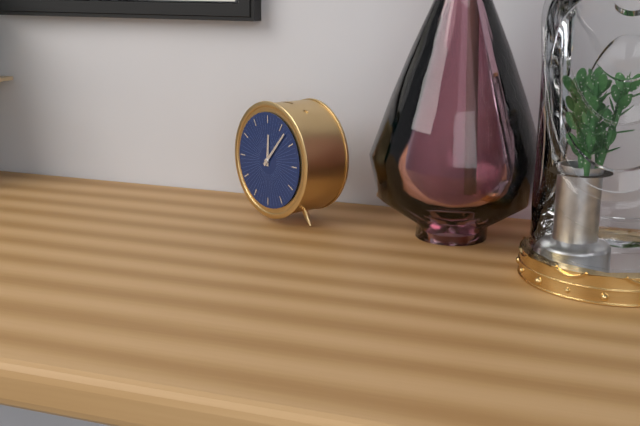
12:07
